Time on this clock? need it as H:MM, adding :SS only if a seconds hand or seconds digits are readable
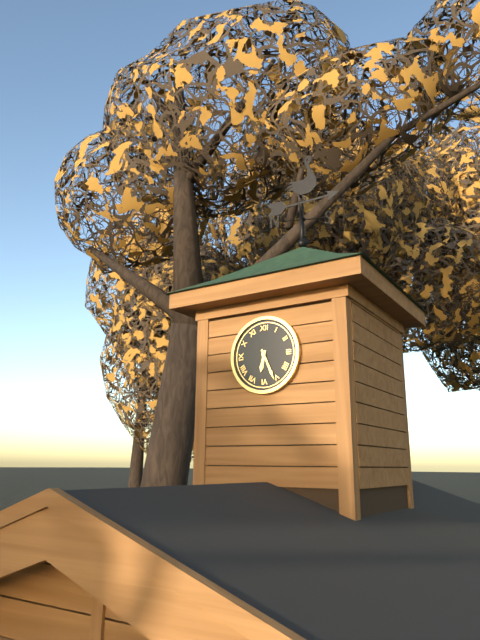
6:26
